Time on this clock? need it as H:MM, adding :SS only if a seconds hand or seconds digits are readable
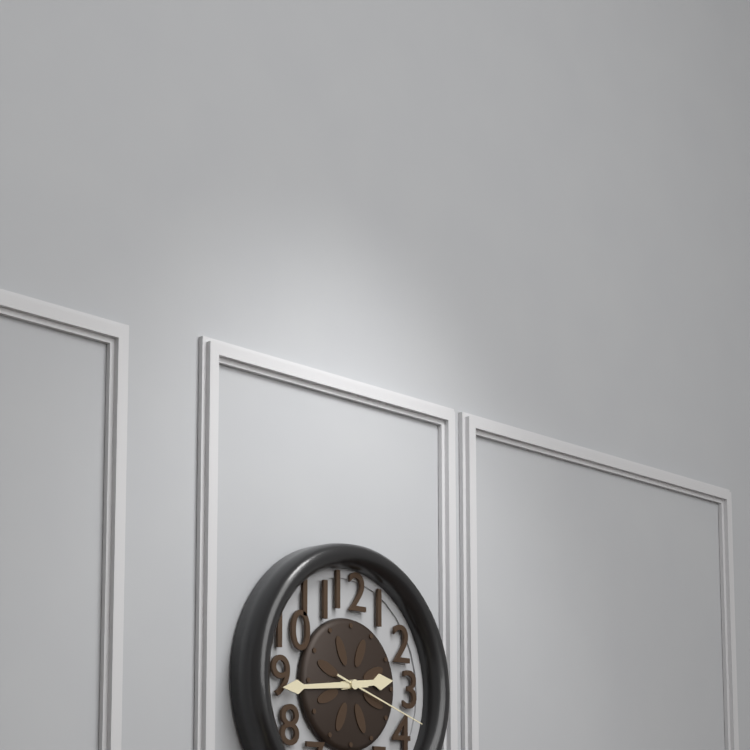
2:44:18
